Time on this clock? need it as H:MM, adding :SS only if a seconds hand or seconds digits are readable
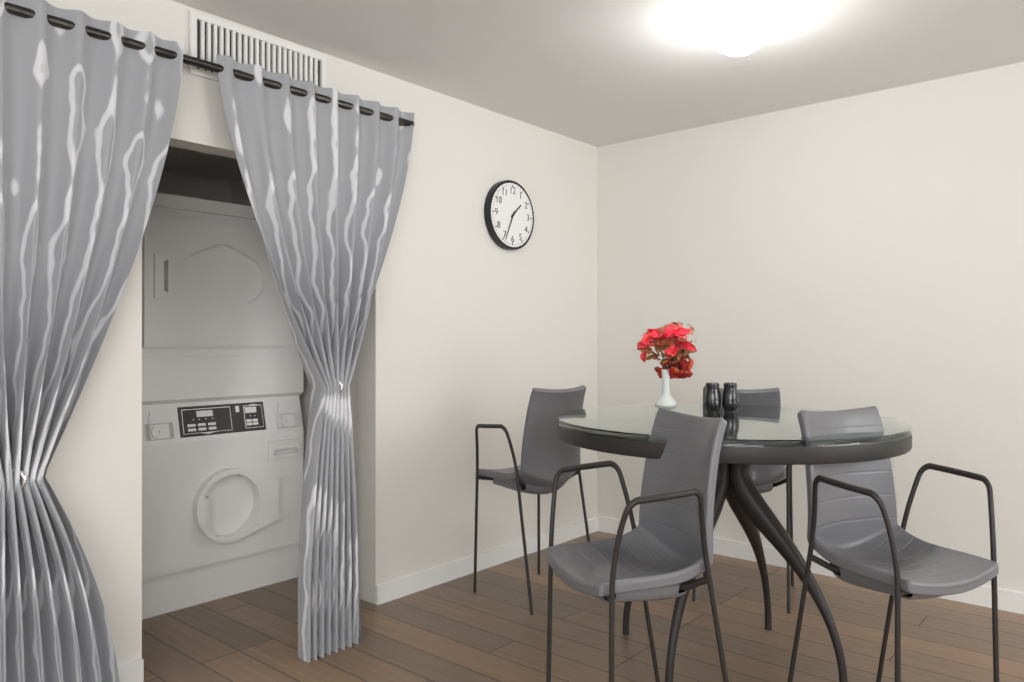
1:34
